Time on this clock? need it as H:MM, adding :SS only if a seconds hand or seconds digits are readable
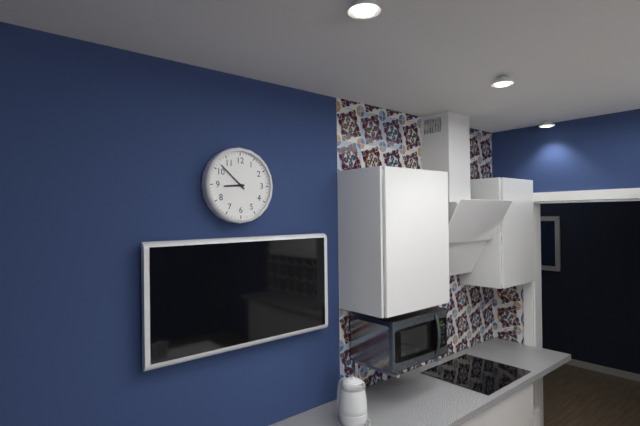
8:52
